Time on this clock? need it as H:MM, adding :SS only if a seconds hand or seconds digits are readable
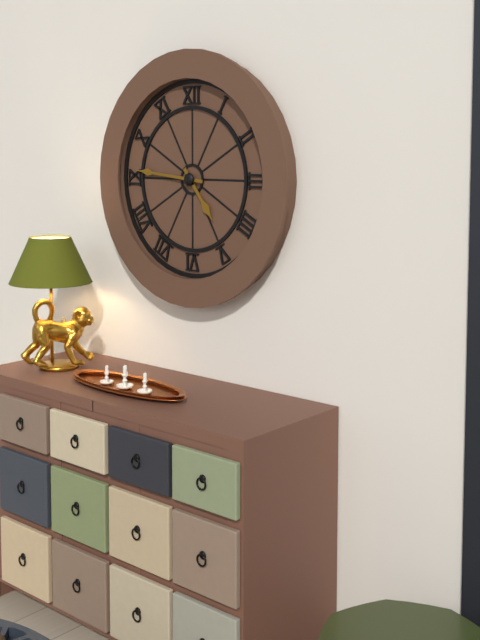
4:46
